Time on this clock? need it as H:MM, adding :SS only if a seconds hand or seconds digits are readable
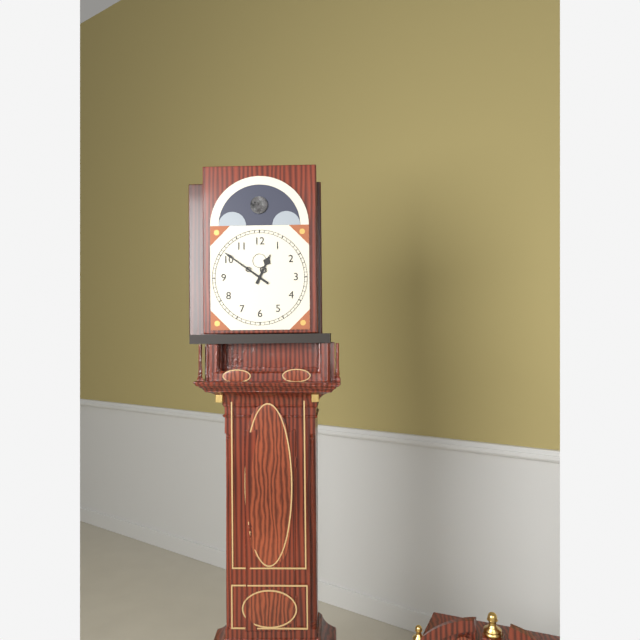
12:51
